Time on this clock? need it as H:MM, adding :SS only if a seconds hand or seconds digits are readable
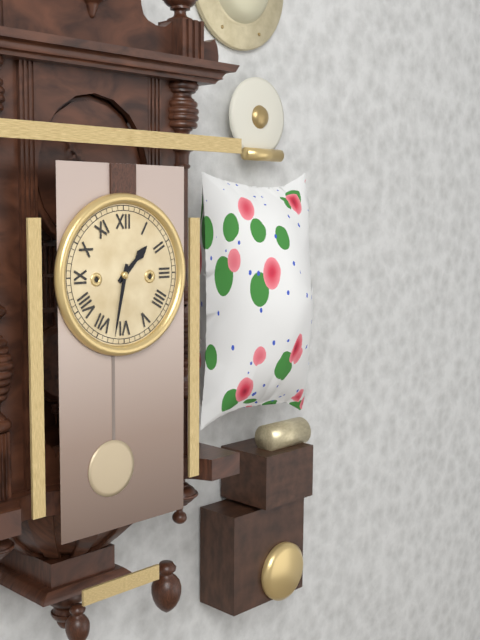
1:32
